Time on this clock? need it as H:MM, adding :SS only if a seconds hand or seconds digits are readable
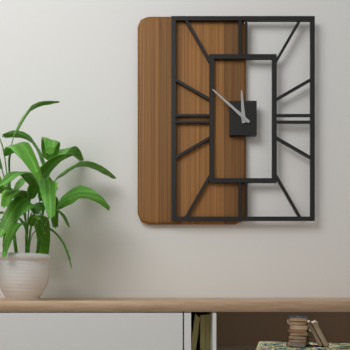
11:52
